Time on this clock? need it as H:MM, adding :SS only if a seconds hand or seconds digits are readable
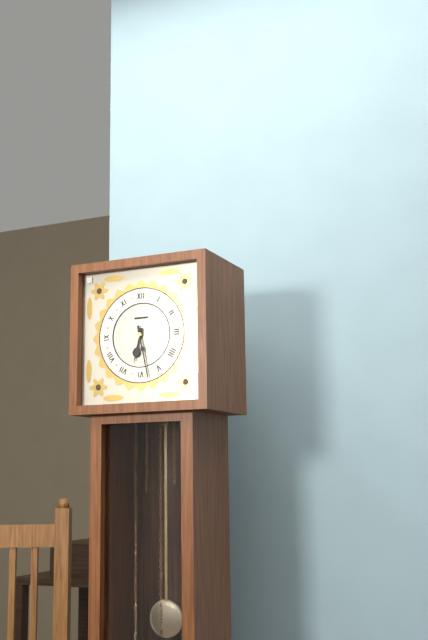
6:28
